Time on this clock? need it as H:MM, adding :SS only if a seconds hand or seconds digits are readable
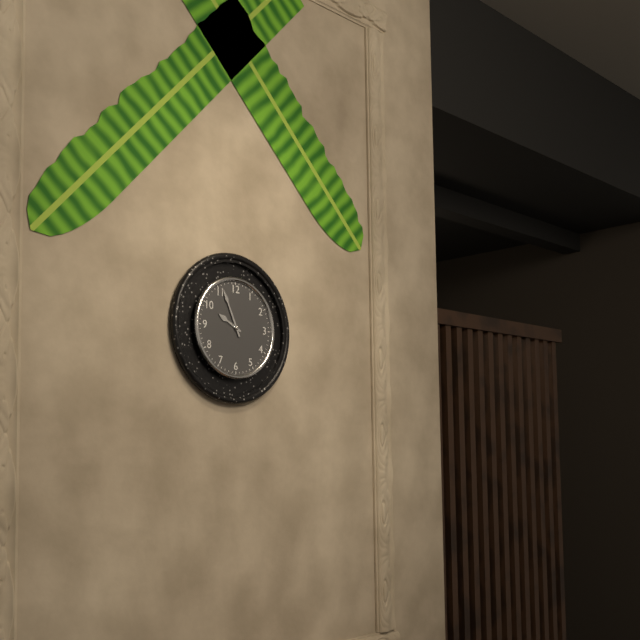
9:56
